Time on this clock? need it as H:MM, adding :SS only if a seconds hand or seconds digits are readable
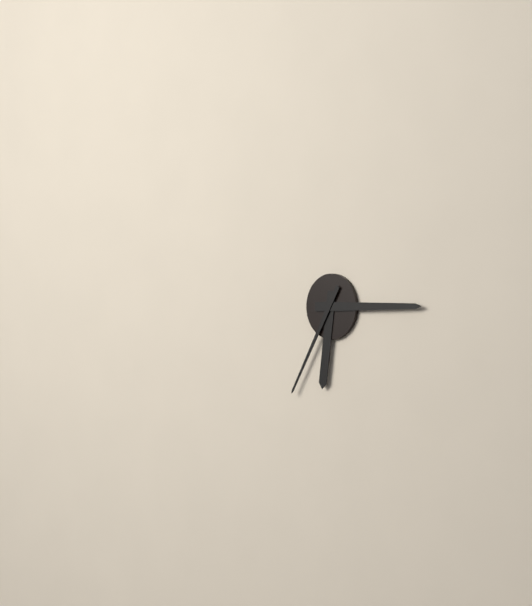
6:15:35
